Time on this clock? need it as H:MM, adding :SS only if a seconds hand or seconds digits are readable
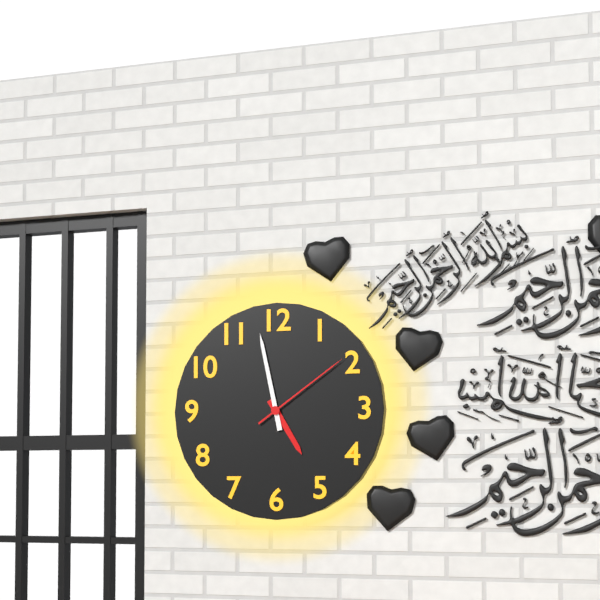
4:58:09
